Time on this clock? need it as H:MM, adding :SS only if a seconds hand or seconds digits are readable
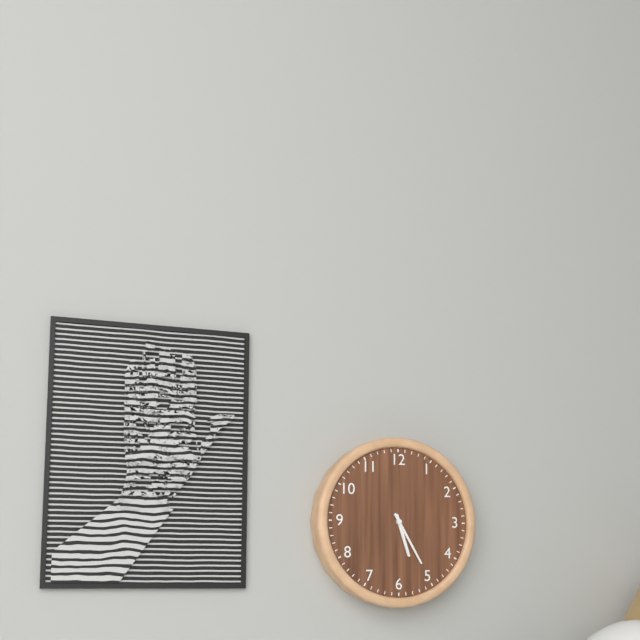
5:25
